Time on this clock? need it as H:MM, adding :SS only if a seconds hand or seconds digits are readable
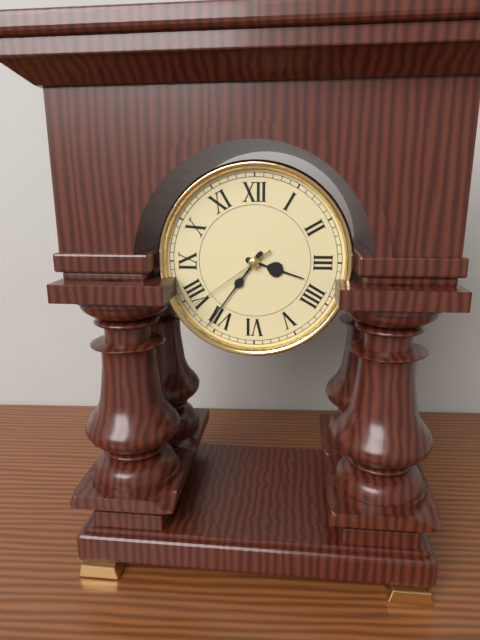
3:36:39
